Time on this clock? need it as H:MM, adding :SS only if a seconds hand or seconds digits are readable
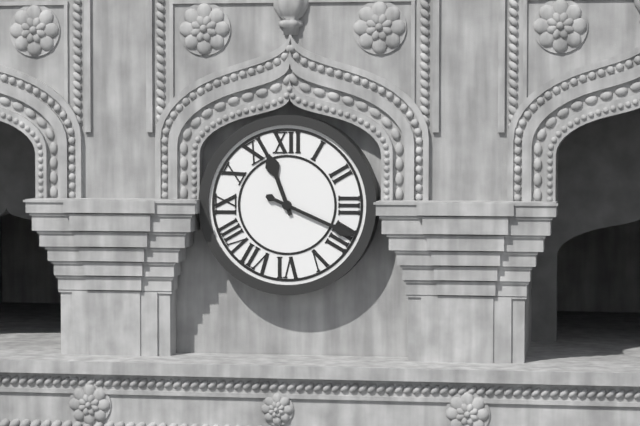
11:19
